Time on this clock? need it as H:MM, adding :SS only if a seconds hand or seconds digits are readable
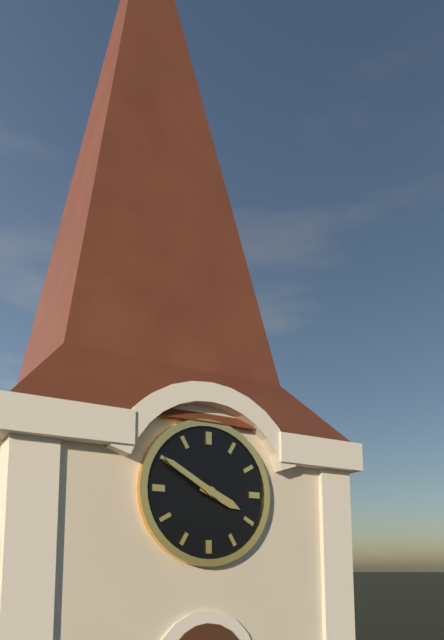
3:50
